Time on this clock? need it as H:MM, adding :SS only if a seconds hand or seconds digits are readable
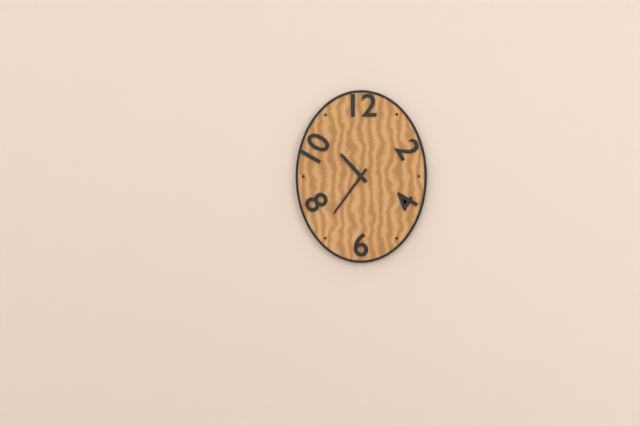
10:36
